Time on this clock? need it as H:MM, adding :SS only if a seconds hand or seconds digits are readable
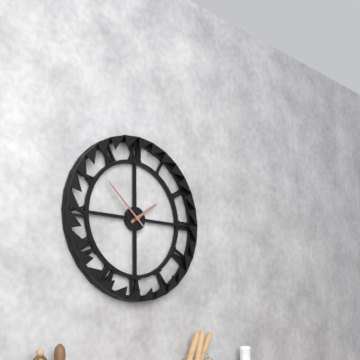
1:52
